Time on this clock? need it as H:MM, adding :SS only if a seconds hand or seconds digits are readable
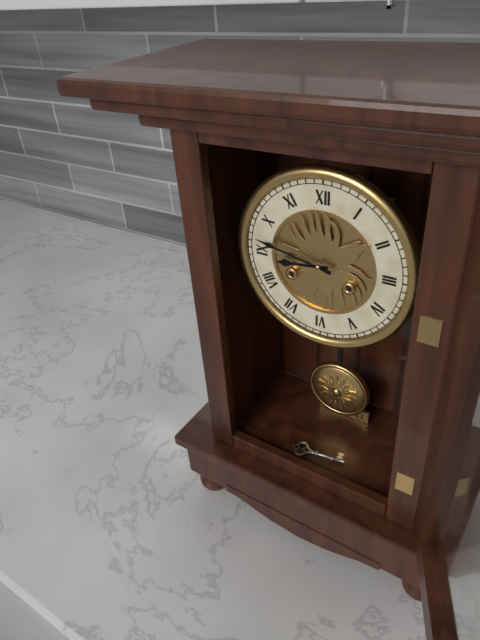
8:47
